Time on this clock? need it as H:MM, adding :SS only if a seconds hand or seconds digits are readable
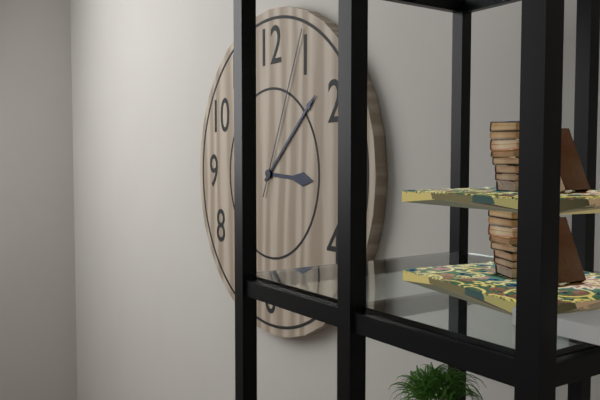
3:08:04
